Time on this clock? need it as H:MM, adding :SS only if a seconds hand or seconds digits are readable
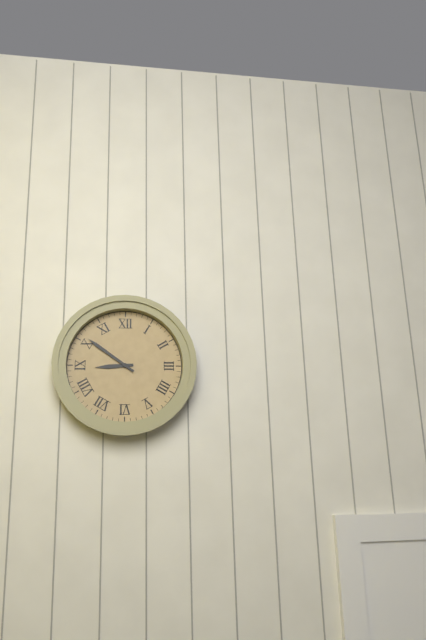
8:51
